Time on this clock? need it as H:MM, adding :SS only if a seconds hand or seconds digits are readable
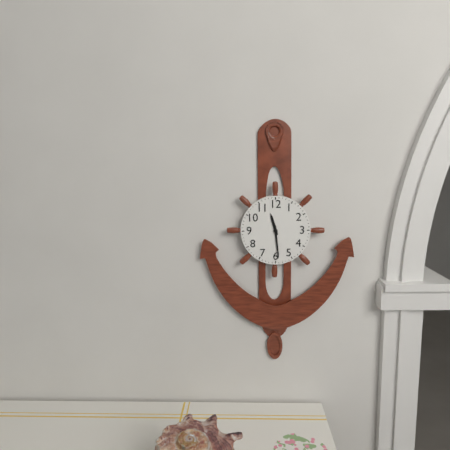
11:29
